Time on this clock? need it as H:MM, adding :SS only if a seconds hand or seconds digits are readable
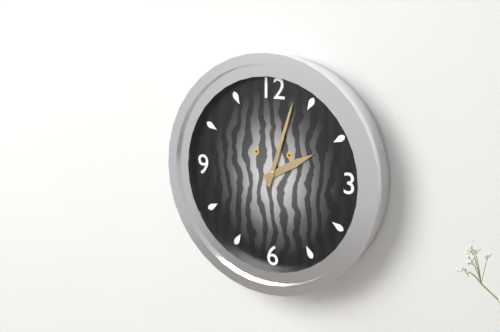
2:03
